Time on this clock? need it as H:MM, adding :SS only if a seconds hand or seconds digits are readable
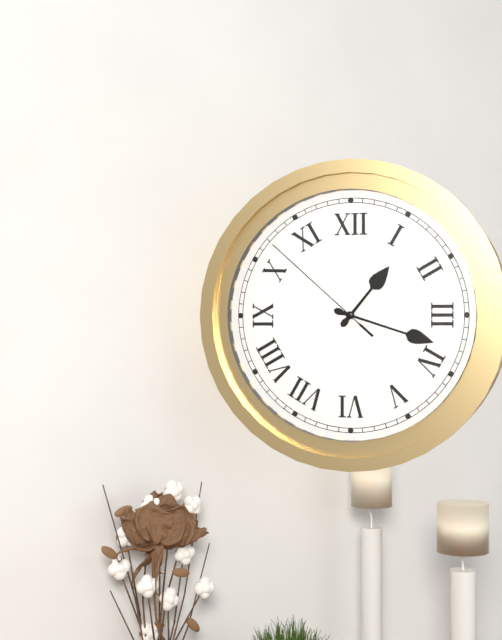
1:18:52
